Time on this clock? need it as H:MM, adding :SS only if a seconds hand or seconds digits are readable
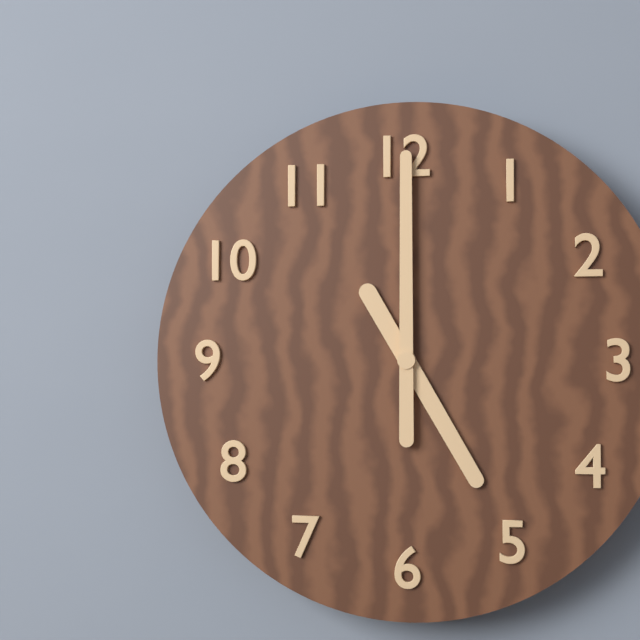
5:00
